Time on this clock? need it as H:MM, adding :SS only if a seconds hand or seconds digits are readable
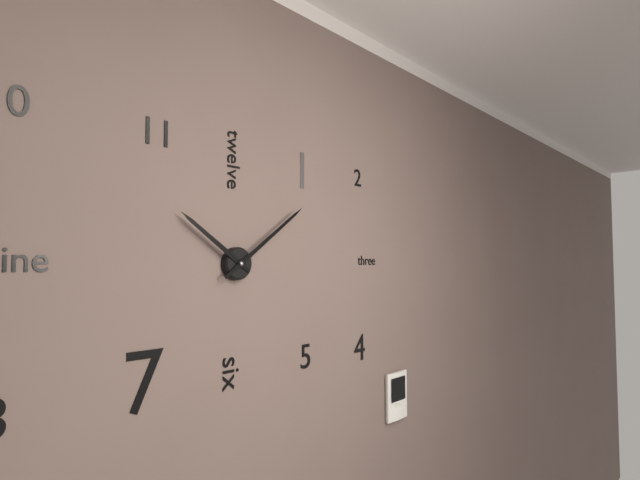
10:09
